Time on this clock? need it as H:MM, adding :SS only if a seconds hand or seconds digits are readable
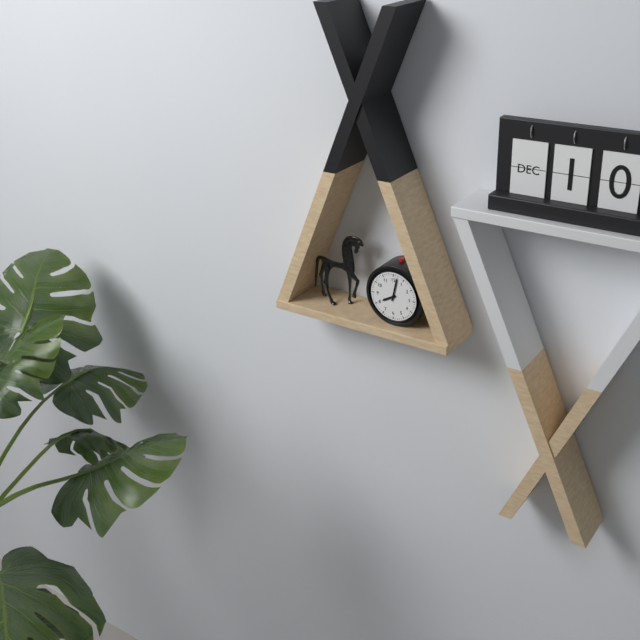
8:02
